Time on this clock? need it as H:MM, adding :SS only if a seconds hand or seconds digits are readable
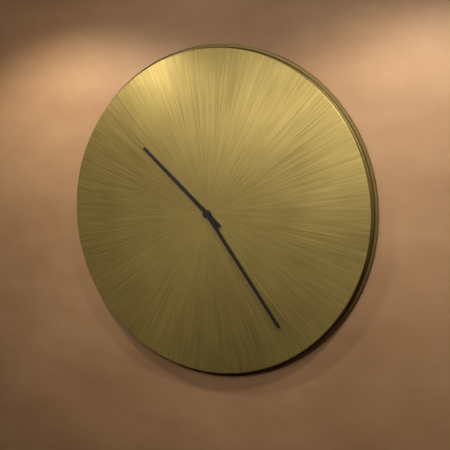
10:24
